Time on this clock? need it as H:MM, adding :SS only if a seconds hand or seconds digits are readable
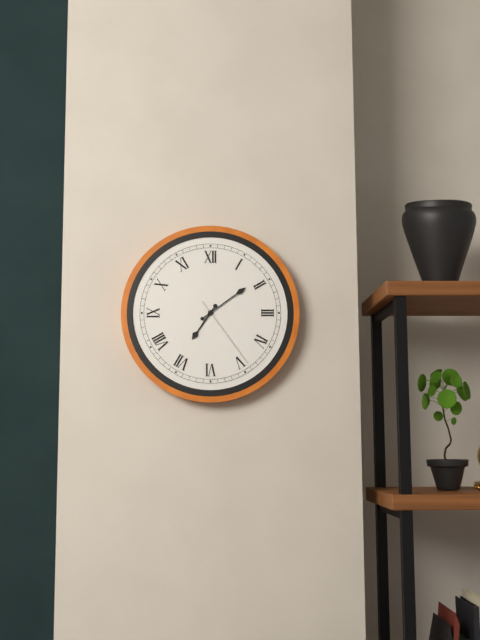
7:09:24
